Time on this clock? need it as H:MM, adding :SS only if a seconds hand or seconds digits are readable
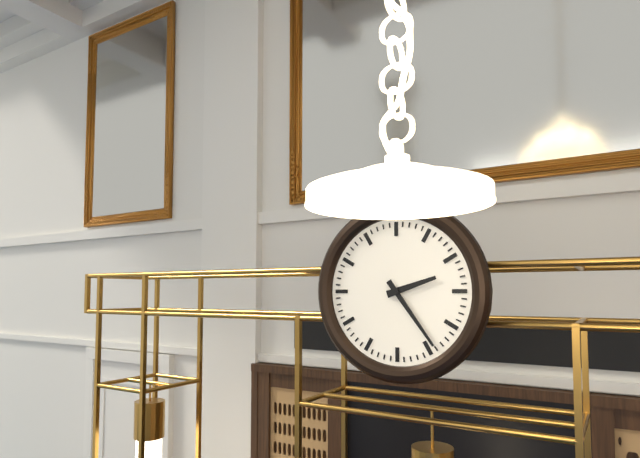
2:24
